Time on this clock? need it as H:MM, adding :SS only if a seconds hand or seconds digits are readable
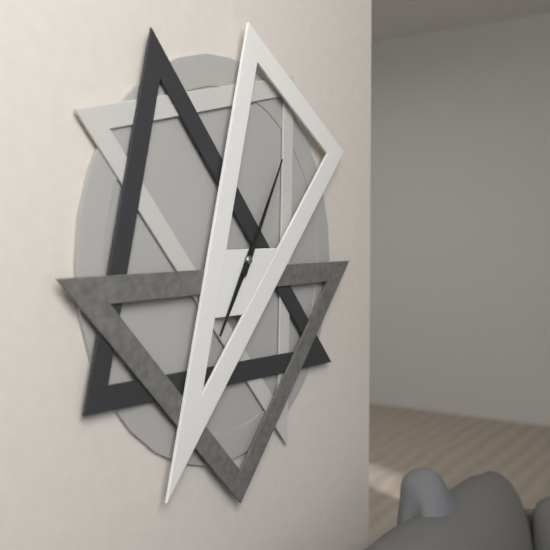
7:05
